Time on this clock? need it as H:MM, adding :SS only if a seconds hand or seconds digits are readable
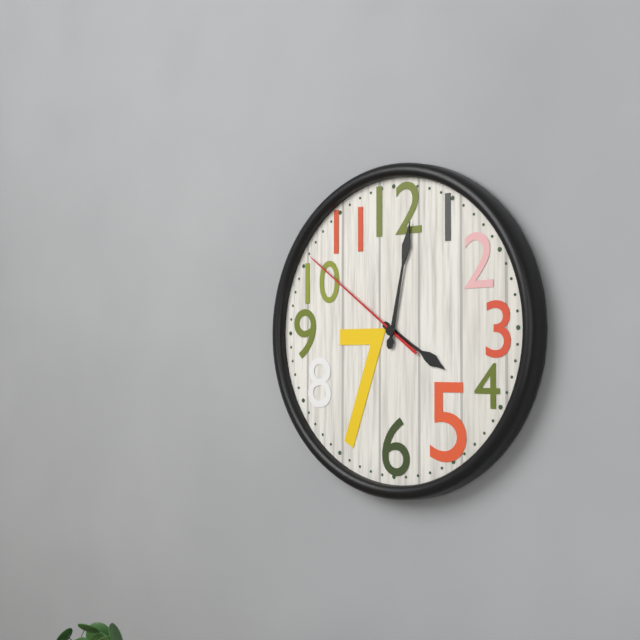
4:02:51
